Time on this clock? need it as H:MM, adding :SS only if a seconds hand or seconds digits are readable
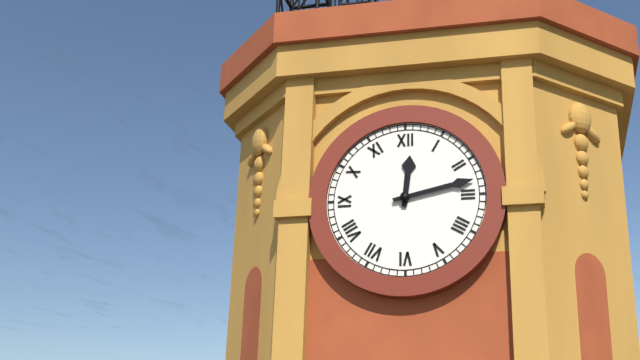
12:13
